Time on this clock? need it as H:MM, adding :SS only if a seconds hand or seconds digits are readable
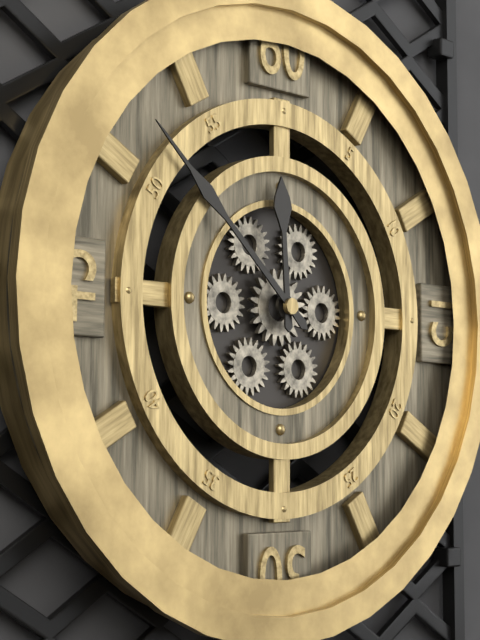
11:52
